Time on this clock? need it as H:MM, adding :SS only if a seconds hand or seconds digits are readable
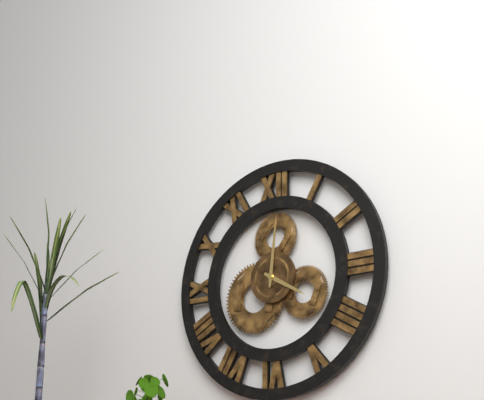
4:01
